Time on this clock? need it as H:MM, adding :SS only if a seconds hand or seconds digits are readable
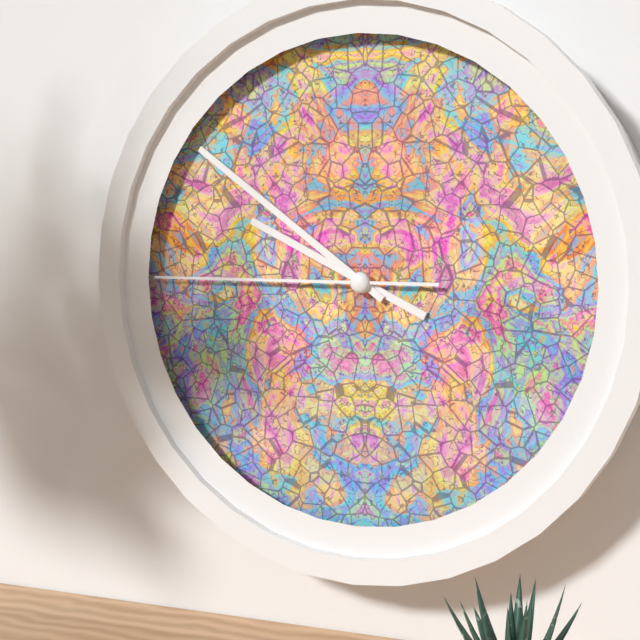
9:51:45
